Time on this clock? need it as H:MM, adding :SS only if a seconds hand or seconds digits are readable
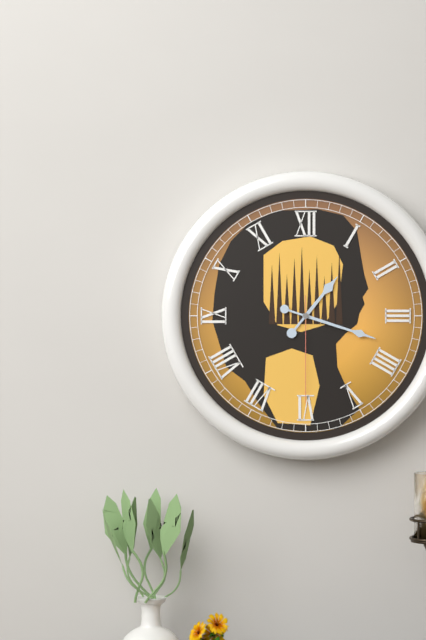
1:18:30
